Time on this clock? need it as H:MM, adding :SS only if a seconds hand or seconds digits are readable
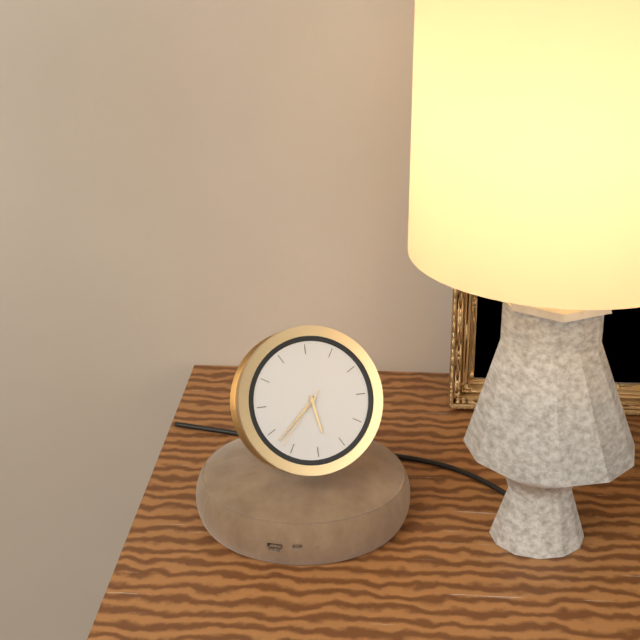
5:38:37
